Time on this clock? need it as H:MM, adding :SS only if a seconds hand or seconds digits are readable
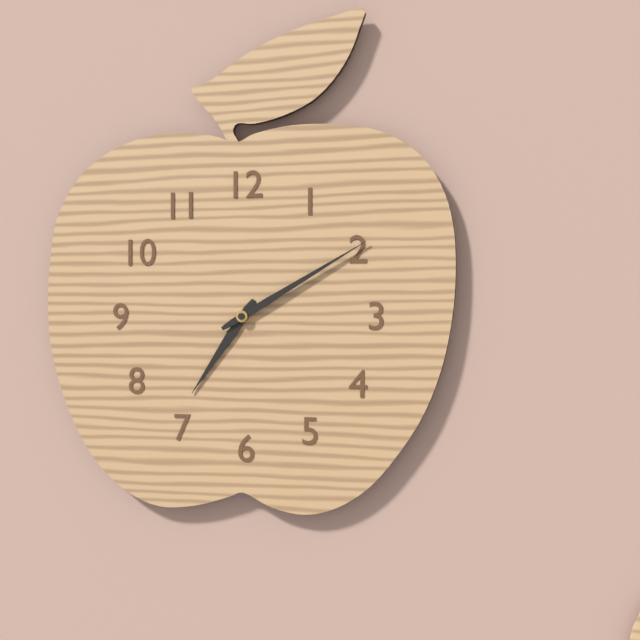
7:10
